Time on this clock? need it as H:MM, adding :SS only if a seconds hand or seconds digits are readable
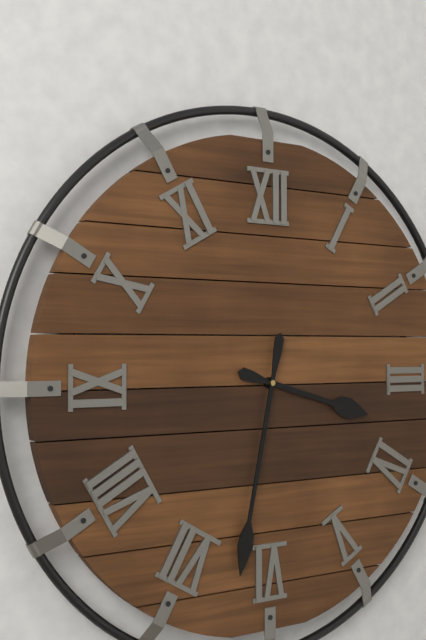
3:32
